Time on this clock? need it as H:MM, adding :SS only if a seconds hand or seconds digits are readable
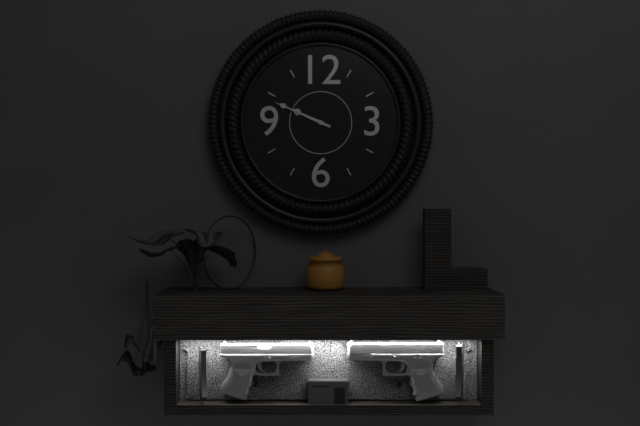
9:49
